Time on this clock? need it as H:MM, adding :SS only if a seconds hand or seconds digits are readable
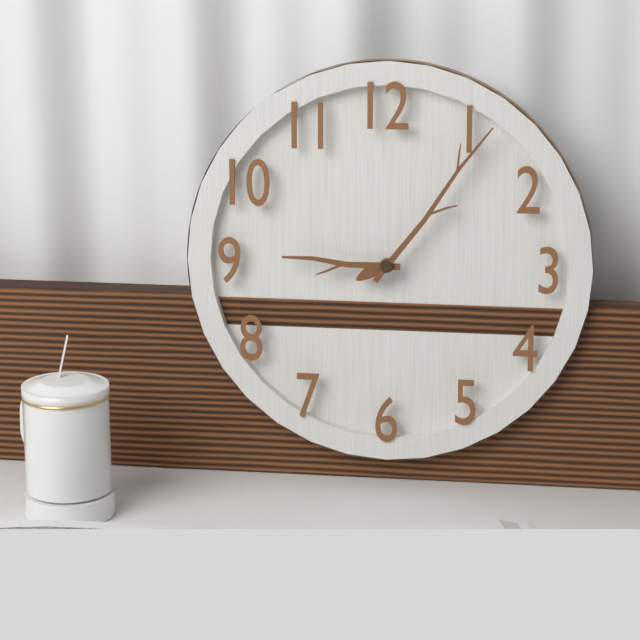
9:06
